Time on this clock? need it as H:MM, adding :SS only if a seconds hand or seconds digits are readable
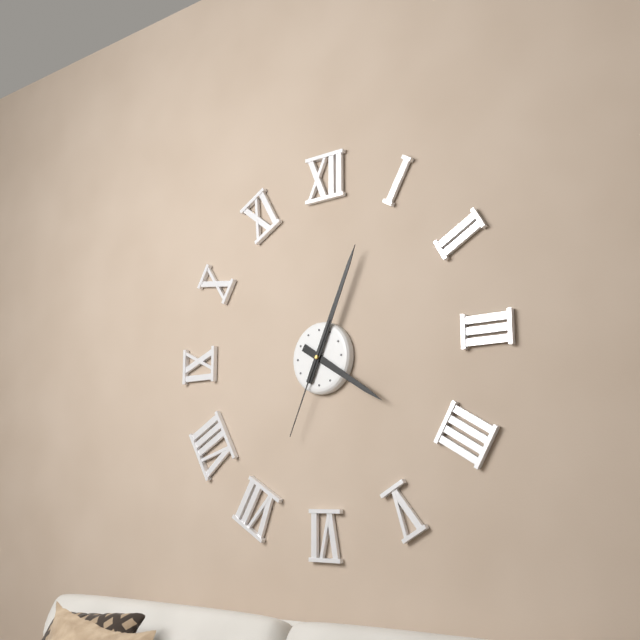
4:04:34
